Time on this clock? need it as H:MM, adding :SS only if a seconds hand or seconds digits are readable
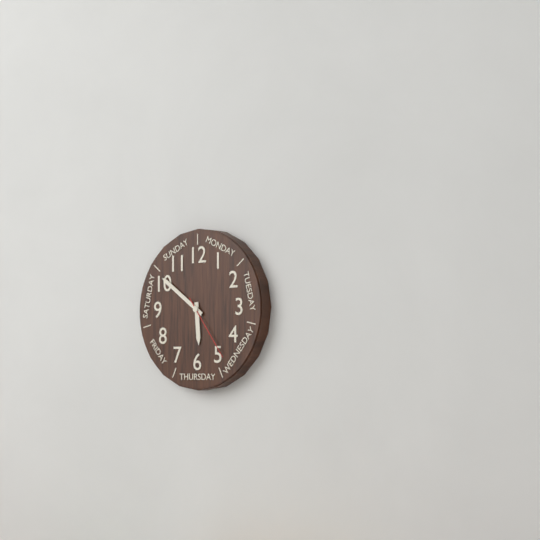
5:51:24
